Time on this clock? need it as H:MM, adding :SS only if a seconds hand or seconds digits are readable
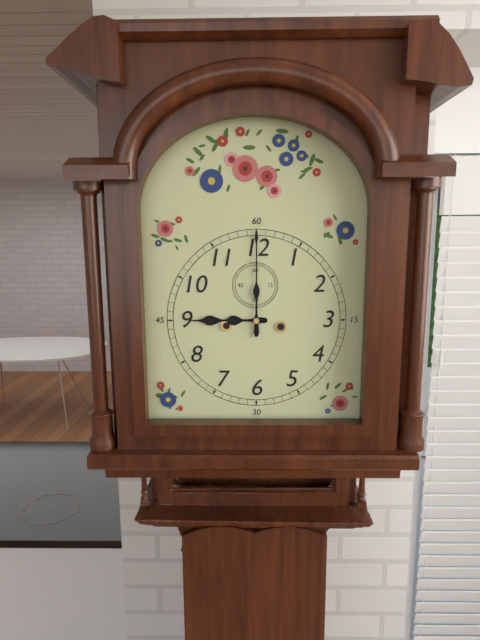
9:00
